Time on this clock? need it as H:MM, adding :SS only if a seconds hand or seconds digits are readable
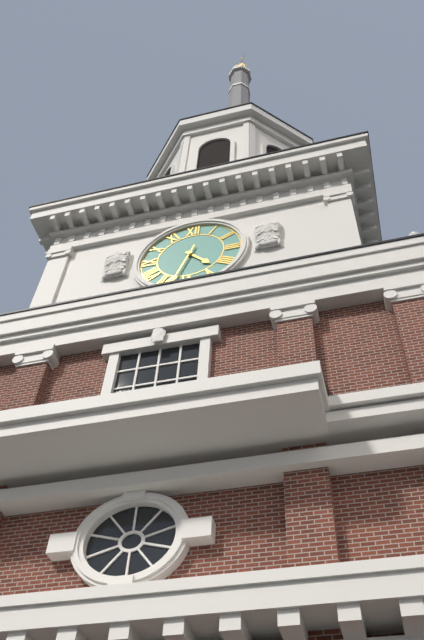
4:33
